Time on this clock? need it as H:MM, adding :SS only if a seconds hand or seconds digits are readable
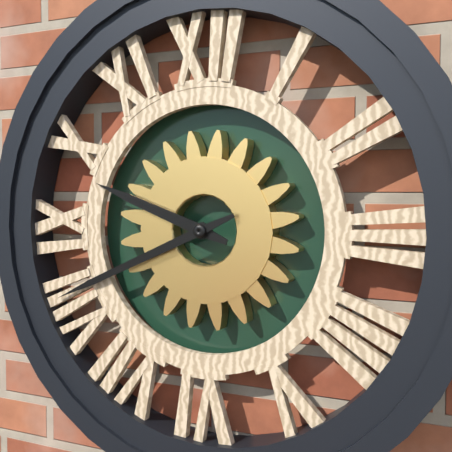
9:41
